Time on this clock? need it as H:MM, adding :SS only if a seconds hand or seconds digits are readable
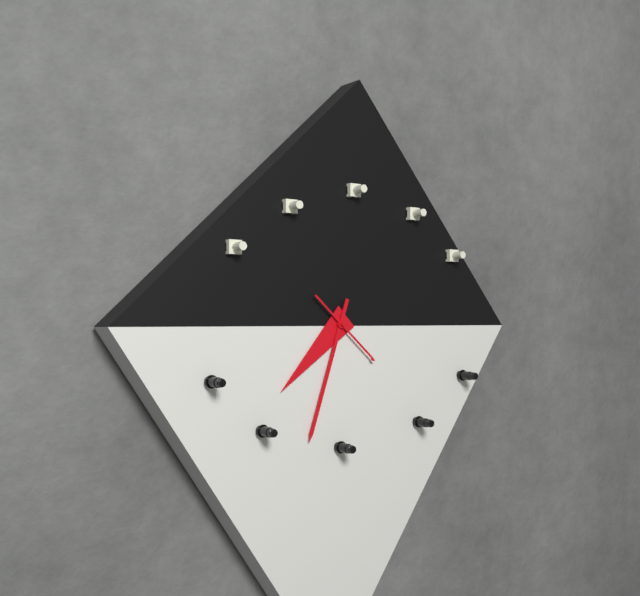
7:33:22
